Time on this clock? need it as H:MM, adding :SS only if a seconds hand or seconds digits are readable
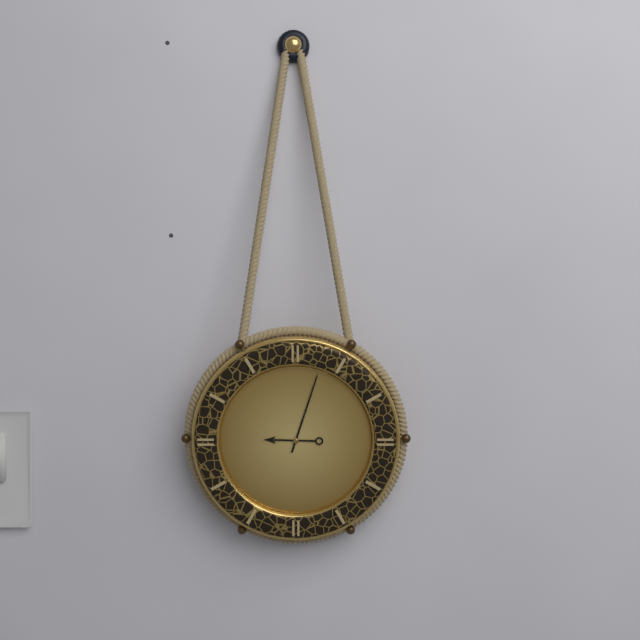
9:03
